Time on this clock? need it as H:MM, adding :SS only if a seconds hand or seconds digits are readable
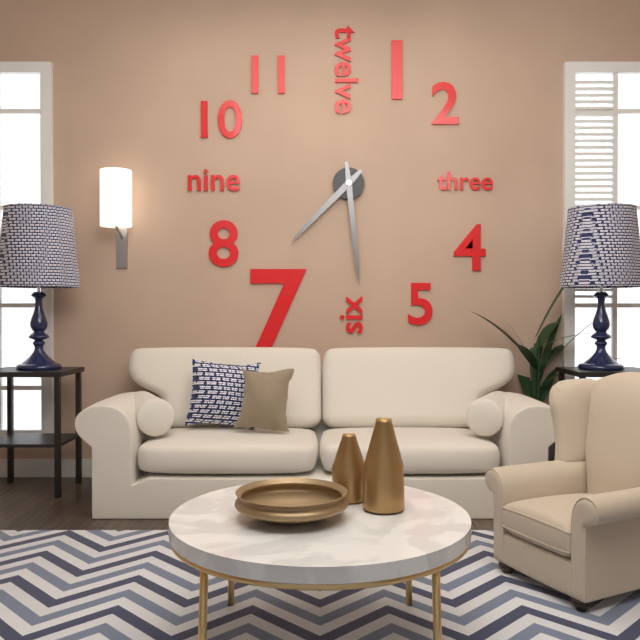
7:29
